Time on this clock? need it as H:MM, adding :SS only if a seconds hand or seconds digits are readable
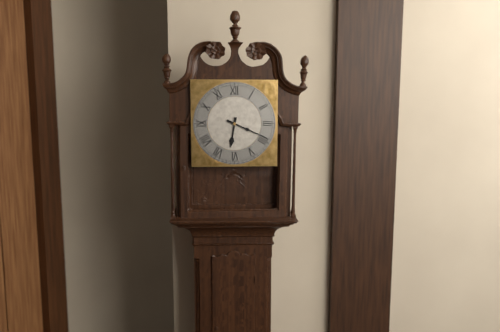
6:19
